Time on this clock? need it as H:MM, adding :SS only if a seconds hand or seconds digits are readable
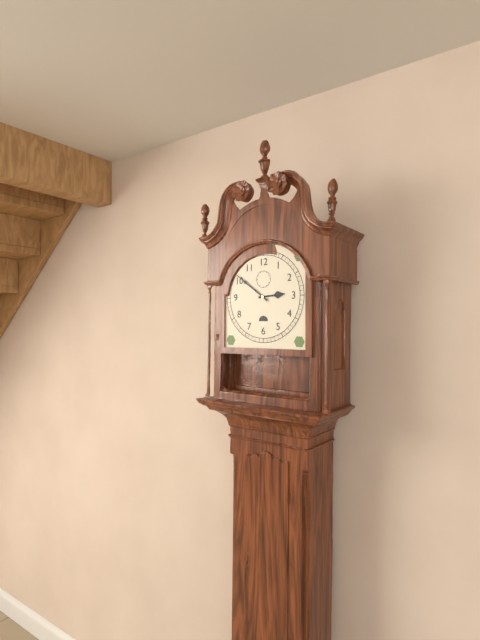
2:51
